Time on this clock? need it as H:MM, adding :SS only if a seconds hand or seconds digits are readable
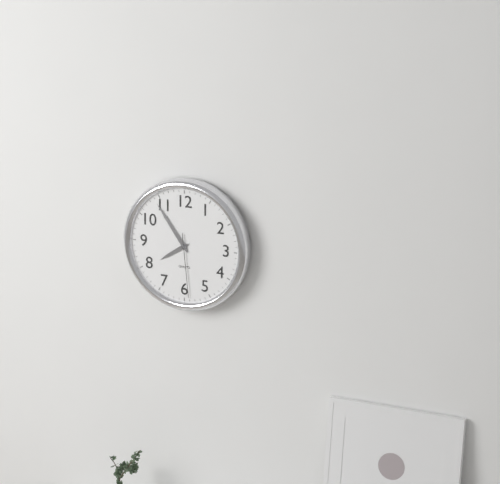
7:54:29
